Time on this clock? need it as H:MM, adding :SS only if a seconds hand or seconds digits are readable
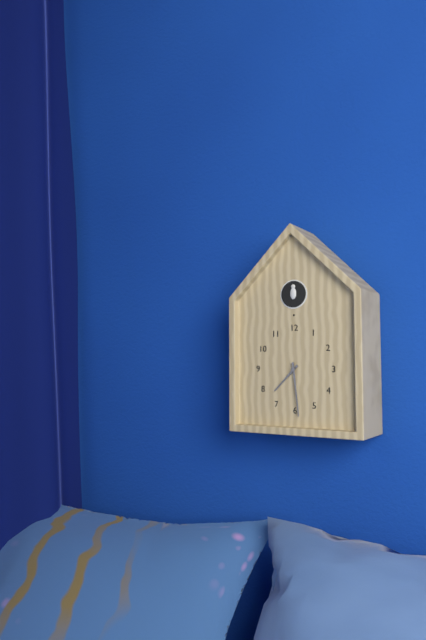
7:29
